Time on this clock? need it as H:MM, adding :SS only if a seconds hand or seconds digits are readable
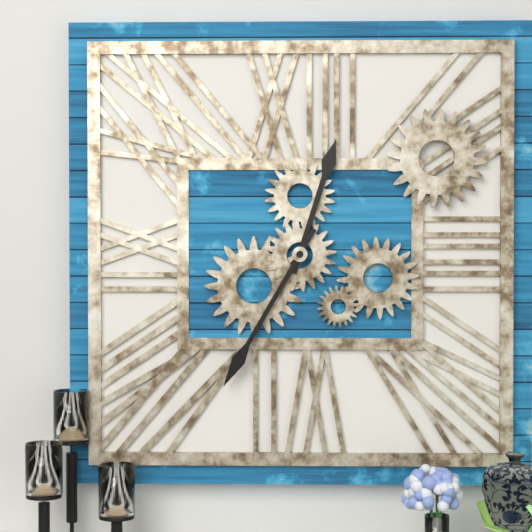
12:35
